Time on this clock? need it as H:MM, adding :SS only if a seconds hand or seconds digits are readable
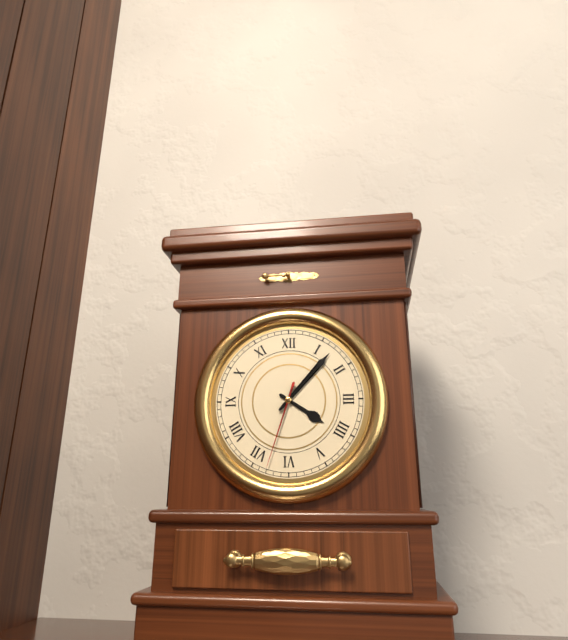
4:07:33
